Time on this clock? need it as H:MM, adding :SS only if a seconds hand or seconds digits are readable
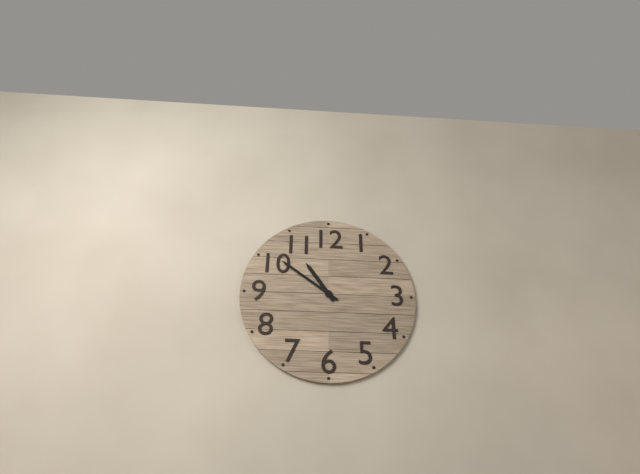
10:51
